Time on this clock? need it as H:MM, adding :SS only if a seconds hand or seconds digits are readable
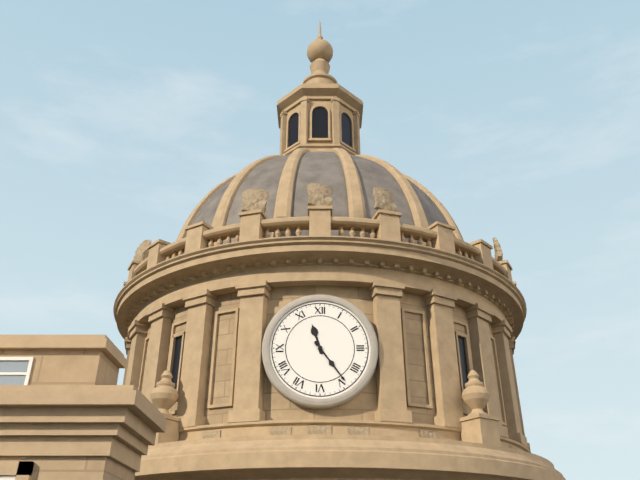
11:24
